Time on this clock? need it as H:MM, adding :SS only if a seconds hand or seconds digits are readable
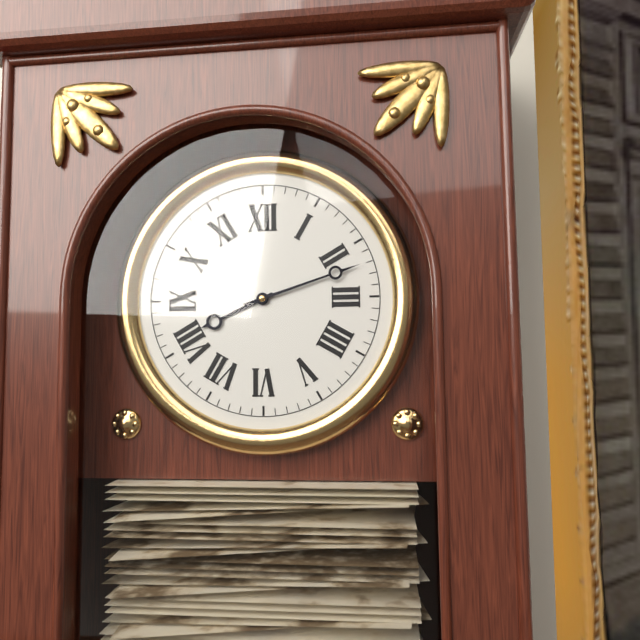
8:12
